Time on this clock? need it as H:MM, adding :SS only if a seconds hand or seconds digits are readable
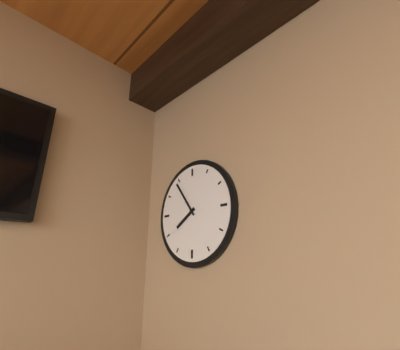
7:54
